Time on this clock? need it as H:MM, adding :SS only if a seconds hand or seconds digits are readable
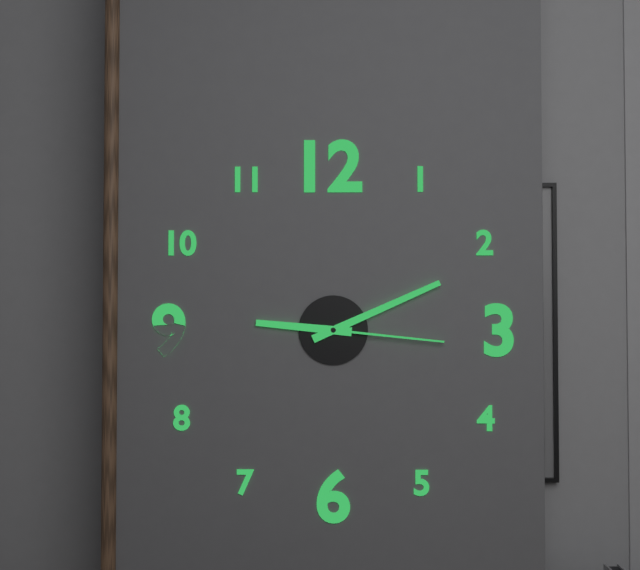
9:11:16
